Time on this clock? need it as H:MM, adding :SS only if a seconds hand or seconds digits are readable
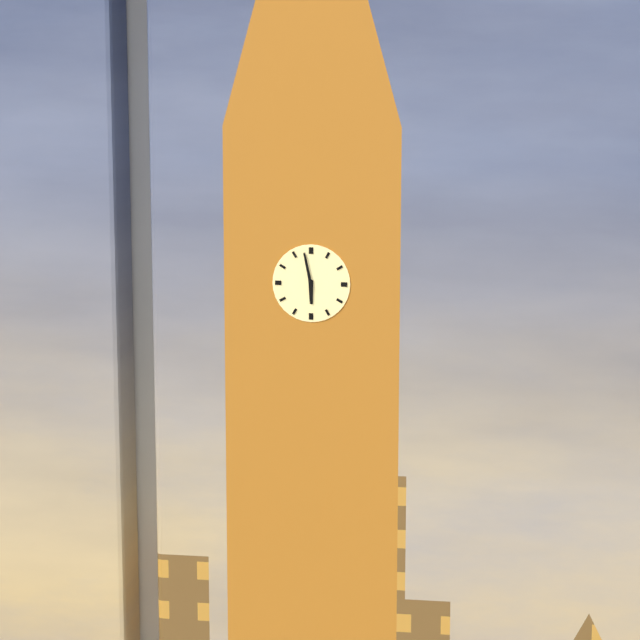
5:58
